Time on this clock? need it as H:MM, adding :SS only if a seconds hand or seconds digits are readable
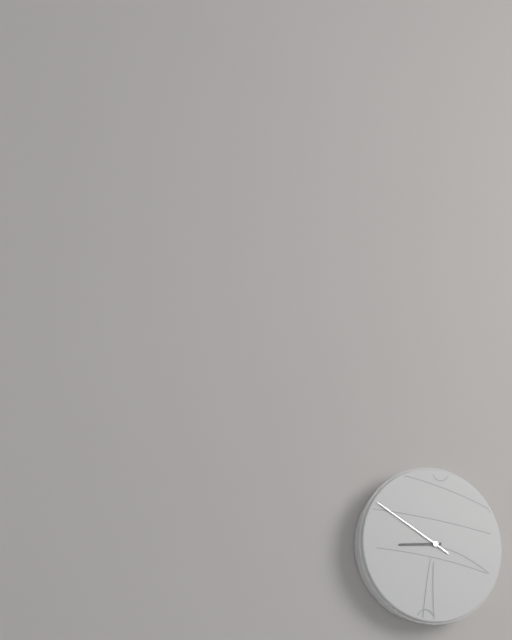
8:50
